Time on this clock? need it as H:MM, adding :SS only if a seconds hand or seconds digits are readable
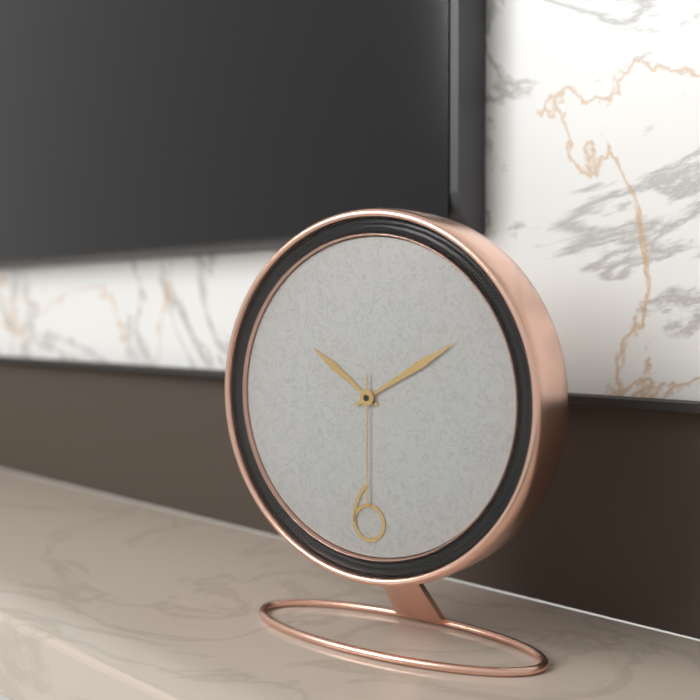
10:10:30
